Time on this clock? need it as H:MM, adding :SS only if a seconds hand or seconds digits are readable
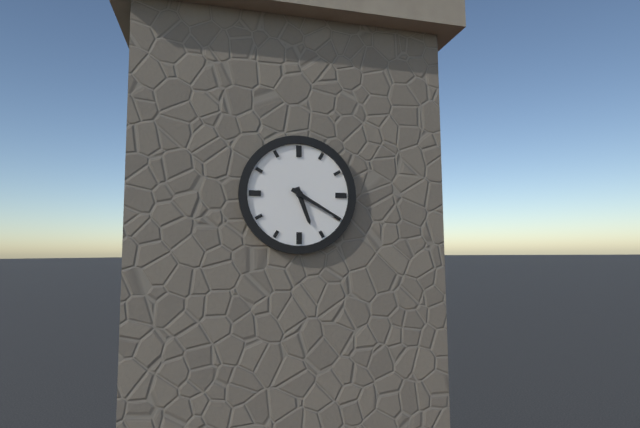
5:20
